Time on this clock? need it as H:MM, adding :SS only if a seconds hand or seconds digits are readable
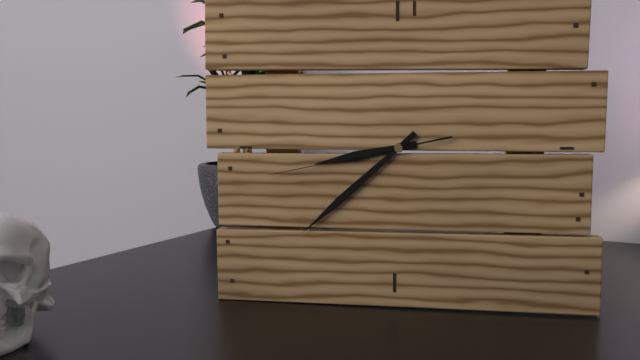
8:38:43
